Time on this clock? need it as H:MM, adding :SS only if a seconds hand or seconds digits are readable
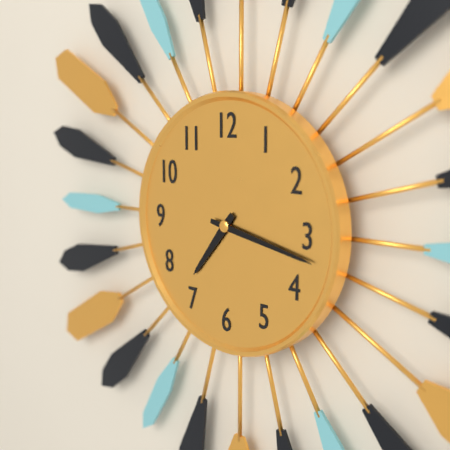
7:17
